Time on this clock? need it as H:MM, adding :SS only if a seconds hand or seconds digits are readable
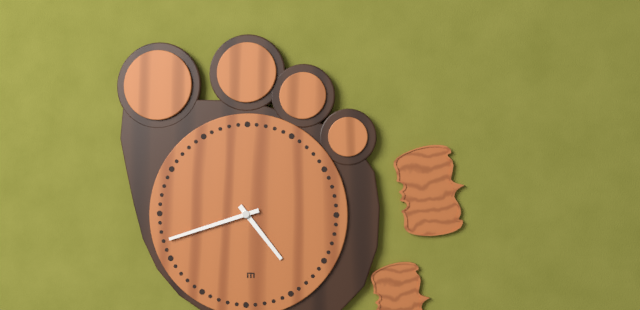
4:42
